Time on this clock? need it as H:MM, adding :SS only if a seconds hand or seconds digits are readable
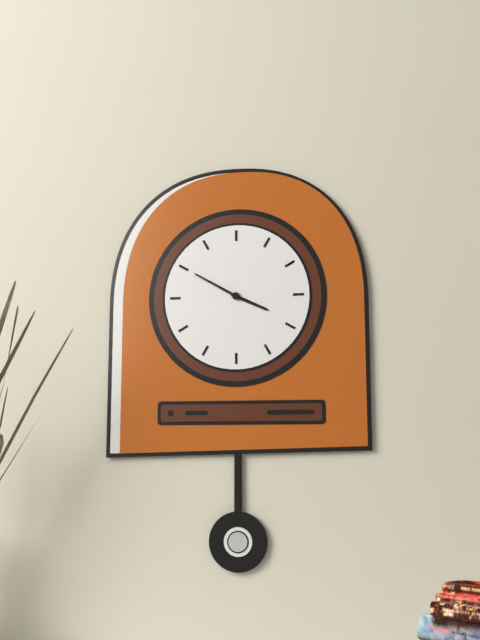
3:50
